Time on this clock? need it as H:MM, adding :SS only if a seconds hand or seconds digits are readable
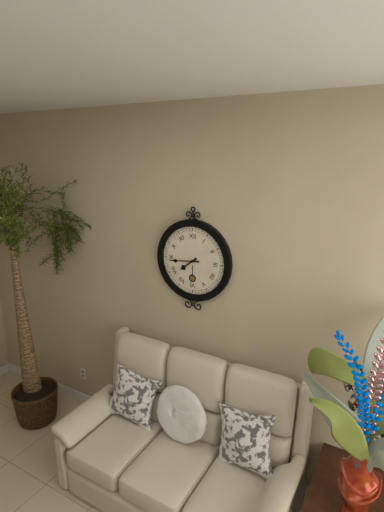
7:44
